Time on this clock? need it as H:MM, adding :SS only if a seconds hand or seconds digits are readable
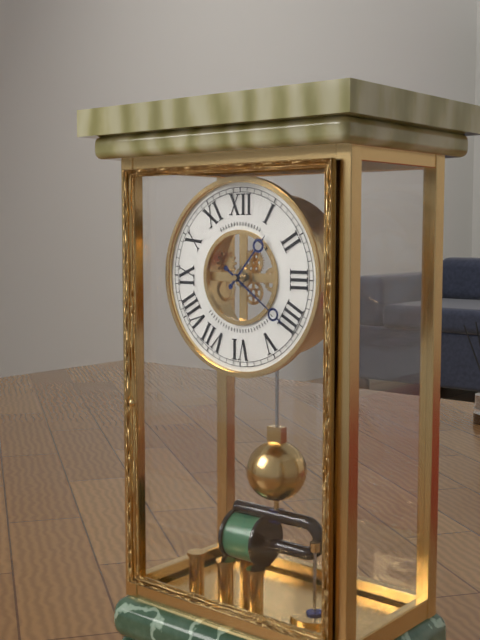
1:21
